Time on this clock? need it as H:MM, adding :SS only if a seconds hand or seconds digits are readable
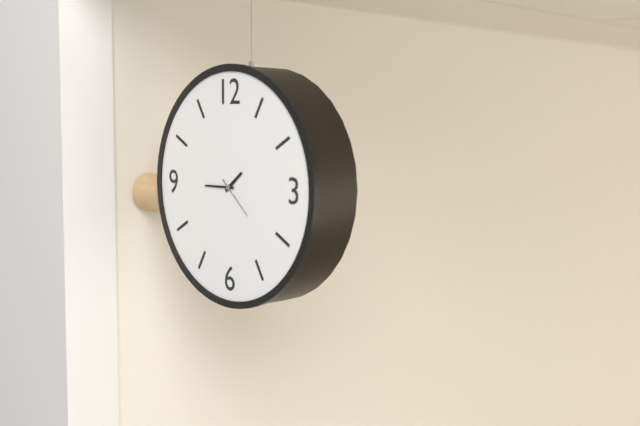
1:45
